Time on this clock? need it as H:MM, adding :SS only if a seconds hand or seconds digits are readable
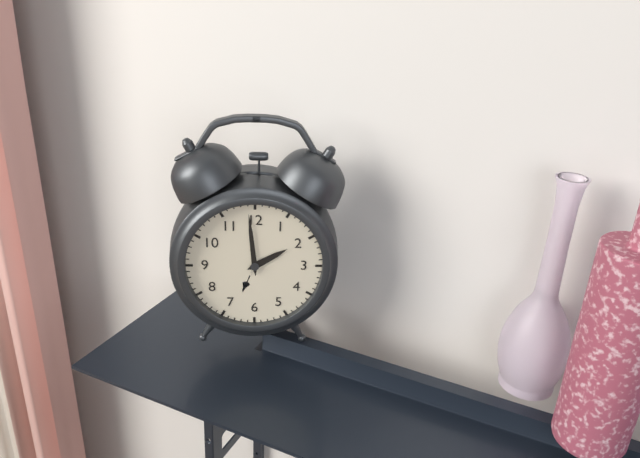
1:59
